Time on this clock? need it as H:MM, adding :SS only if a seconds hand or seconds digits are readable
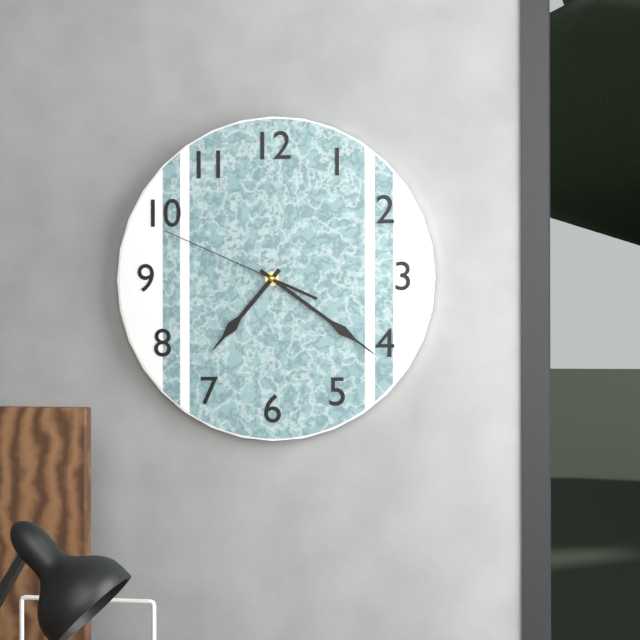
7:21:49
